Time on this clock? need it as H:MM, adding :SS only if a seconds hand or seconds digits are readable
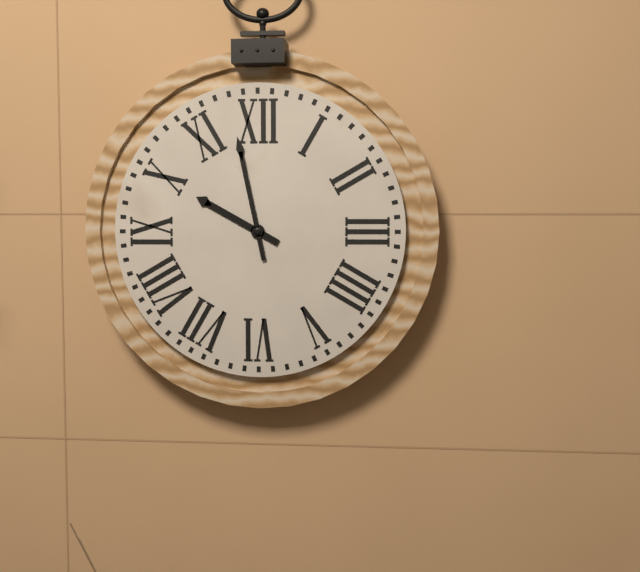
9:58
